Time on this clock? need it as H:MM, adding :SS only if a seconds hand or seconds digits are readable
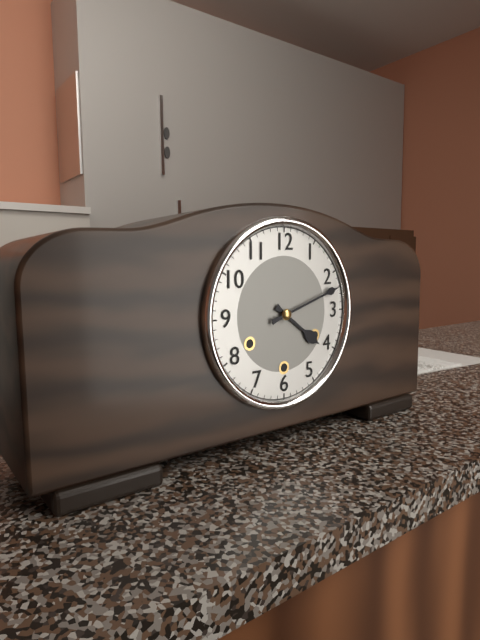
4:12
